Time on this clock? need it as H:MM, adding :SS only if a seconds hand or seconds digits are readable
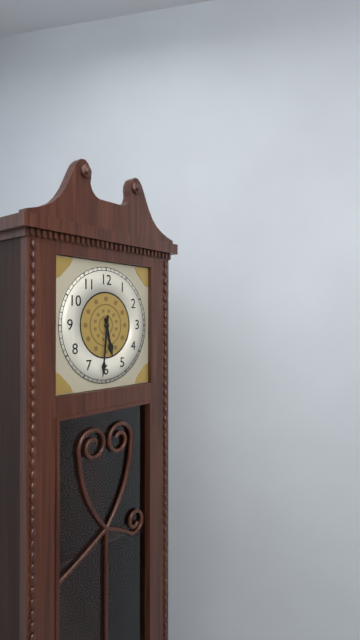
5:31
